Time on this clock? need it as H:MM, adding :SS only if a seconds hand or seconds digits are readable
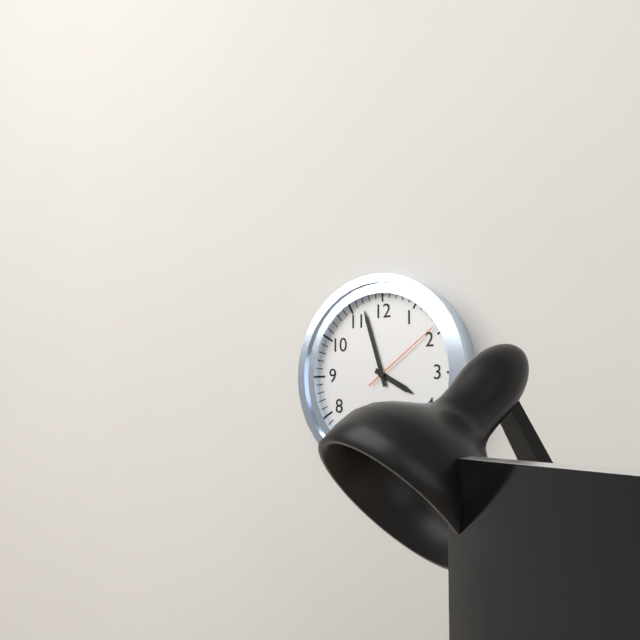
3:57:09
